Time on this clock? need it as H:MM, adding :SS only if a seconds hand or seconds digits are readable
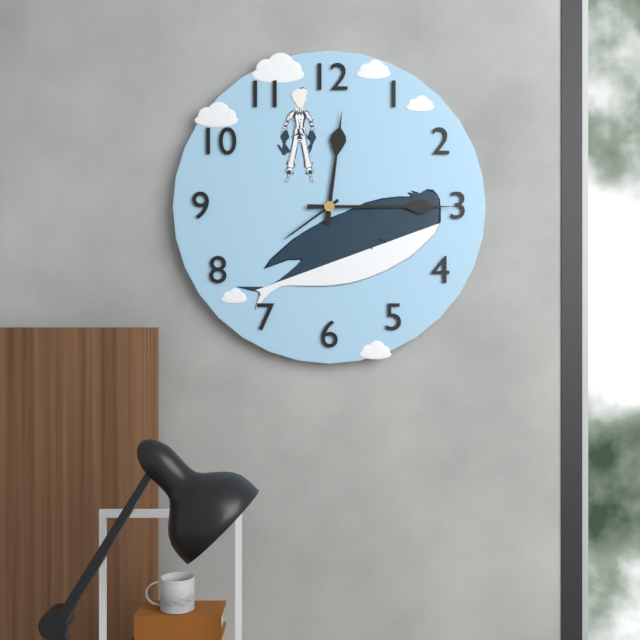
12:15:39
